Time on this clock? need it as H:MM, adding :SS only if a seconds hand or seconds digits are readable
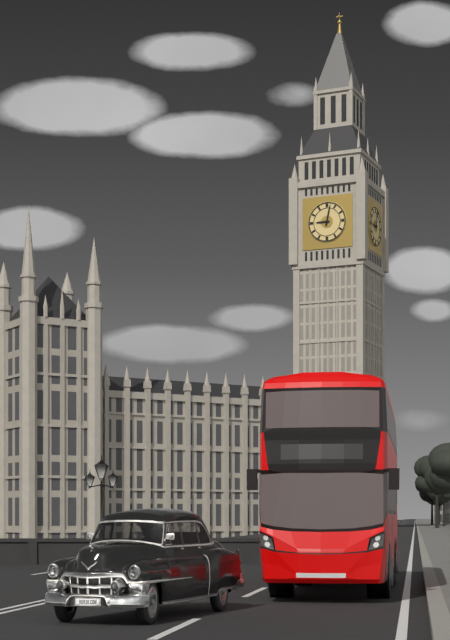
9:02
